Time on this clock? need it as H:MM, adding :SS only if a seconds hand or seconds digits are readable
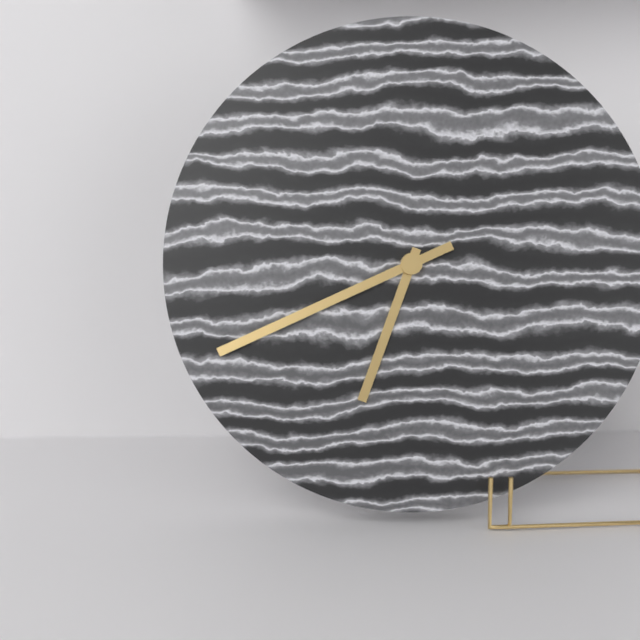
6:41
